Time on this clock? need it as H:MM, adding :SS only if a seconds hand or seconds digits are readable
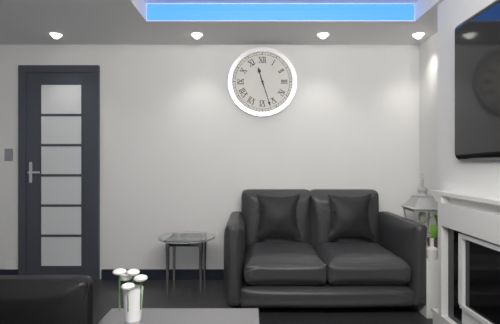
11:27
